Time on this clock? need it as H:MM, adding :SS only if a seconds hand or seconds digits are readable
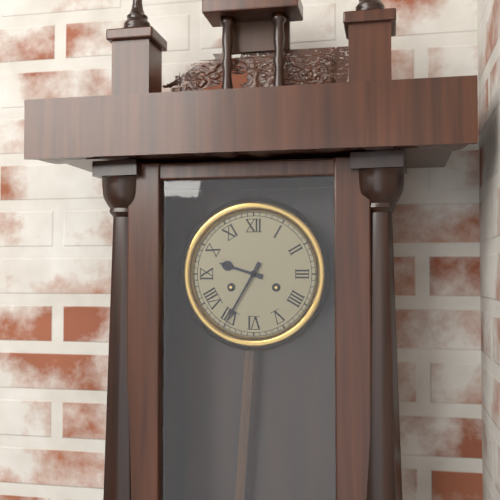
9:35
